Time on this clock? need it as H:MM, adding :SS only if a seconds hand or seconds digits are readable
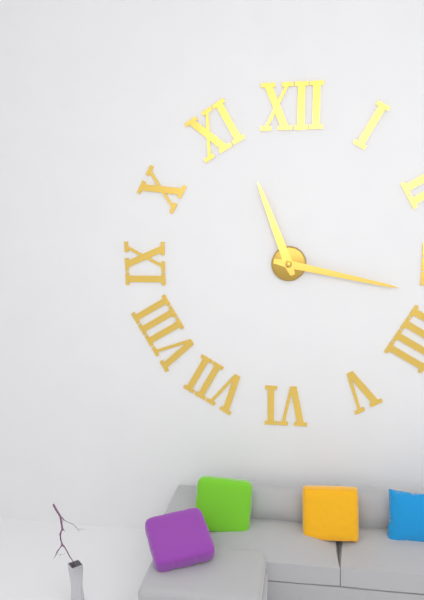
11:17
